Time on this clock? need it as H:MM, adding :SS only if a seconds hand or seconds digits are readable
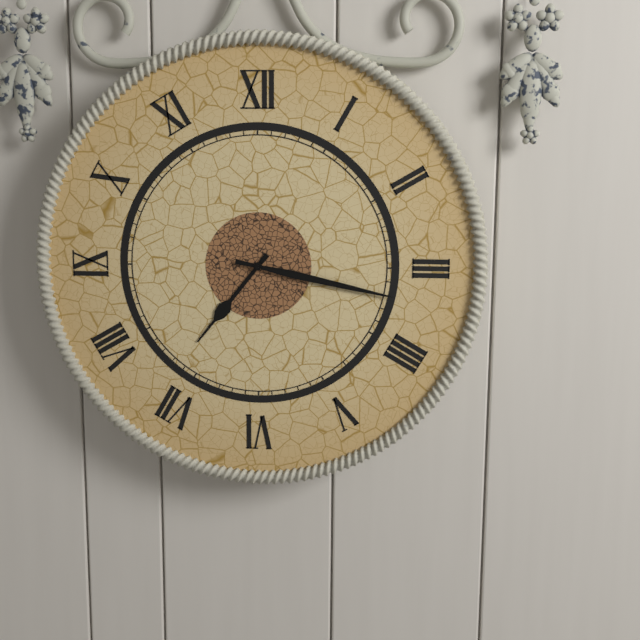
7:17
